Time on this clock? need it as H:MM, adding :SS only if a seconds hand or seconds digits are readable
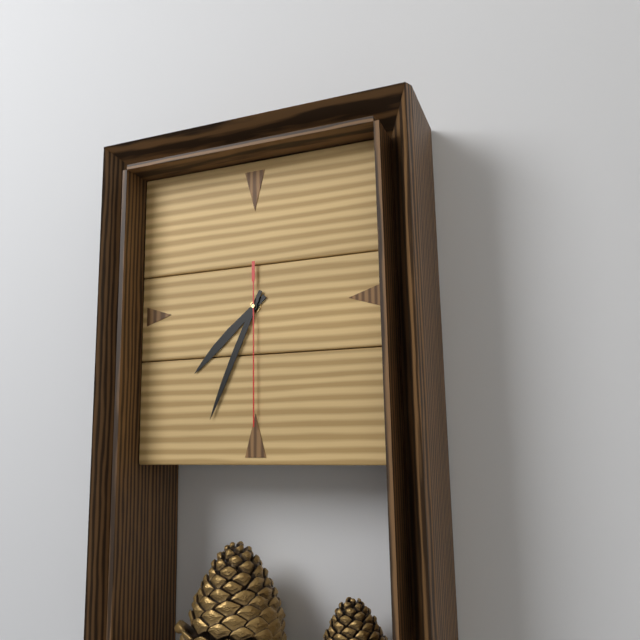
7:34:30
